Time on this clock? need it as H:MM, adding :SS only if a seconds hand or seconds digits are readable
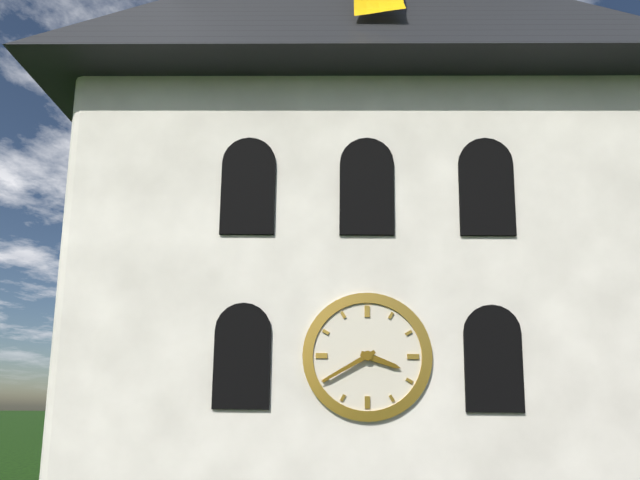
3:40
